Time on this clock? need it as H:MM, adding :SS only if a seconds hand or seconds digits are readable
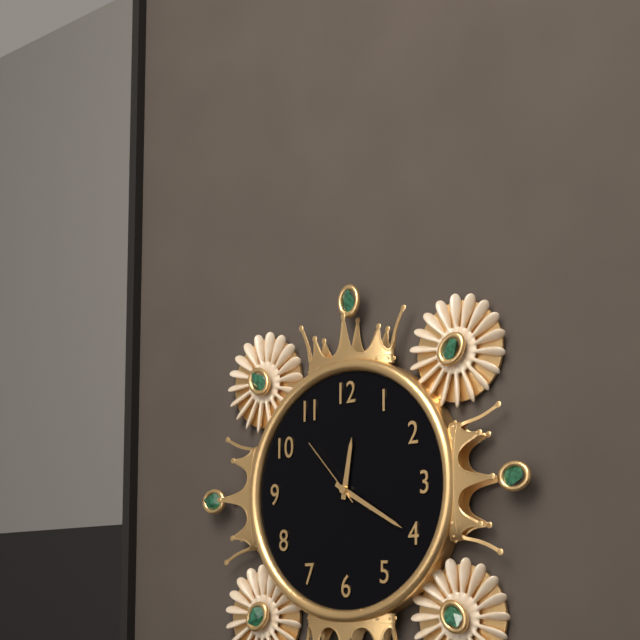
12:20:53
